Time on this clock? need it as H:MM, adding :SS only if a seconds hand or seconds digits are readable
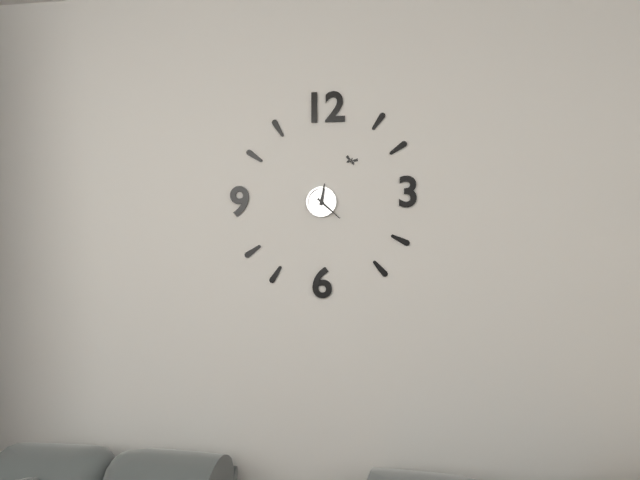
12:22
